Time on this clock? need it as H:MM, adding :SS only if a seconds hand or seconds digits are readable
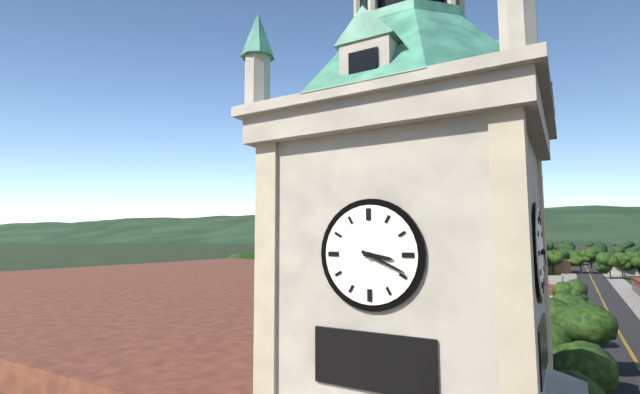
3:19
